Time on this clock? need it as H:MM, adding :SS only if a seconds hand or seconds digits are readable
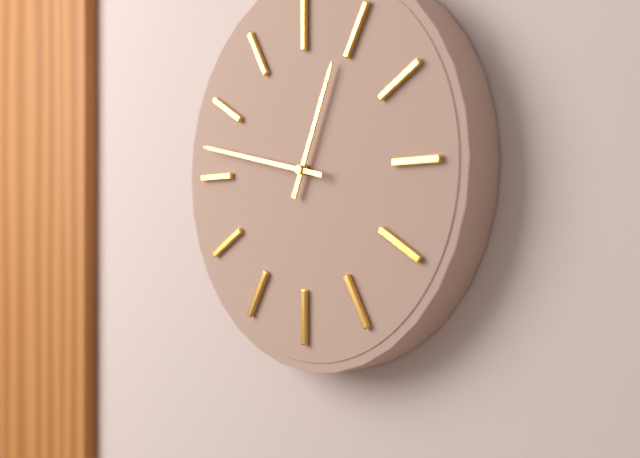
12:47
